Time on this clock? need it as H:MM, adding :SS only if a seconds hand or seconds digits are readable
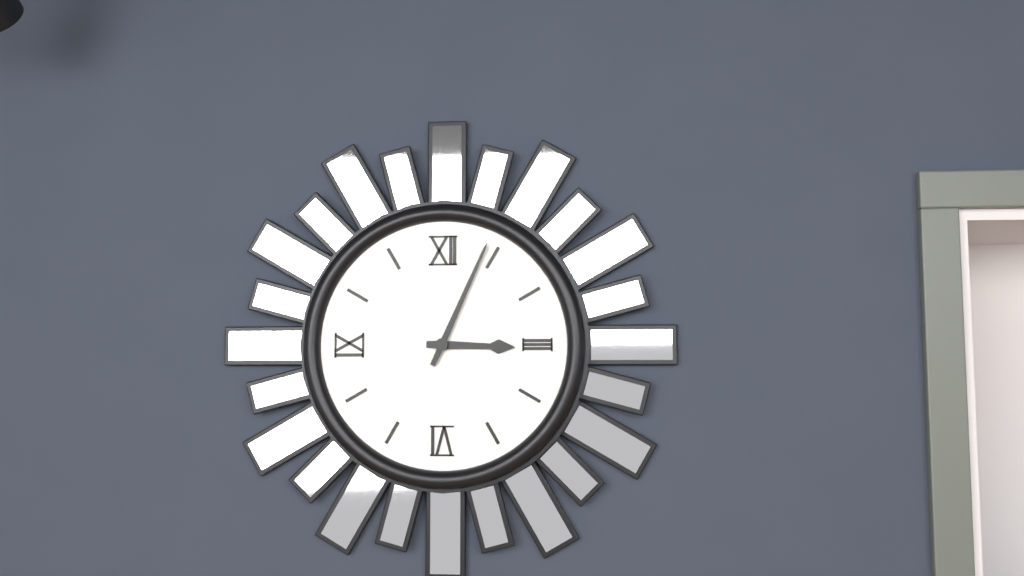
3:04
